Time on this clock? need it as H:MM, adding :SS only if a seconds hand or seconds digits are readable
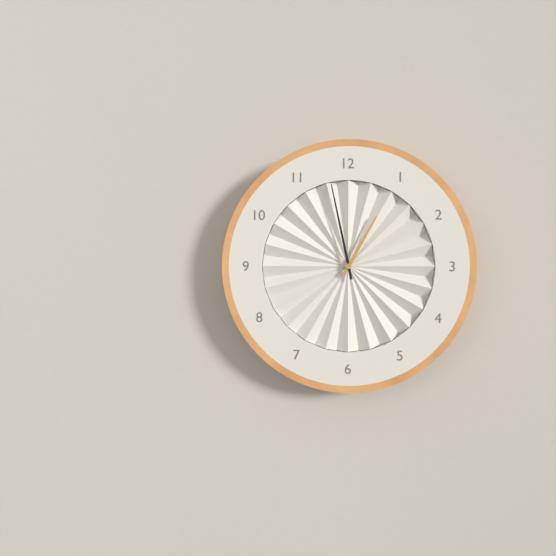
12:58
